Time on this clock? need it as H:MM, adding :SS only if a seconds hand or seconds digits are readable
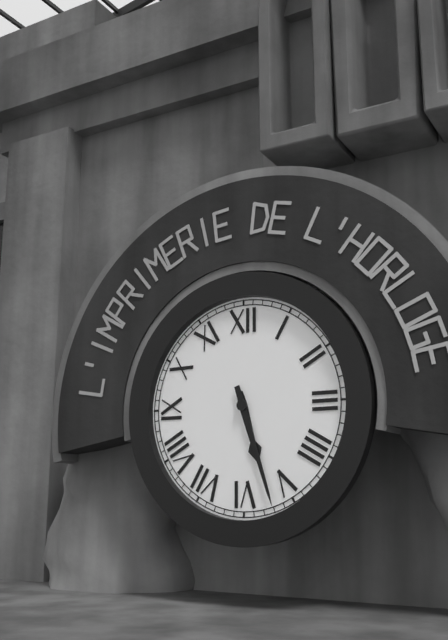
5:27
